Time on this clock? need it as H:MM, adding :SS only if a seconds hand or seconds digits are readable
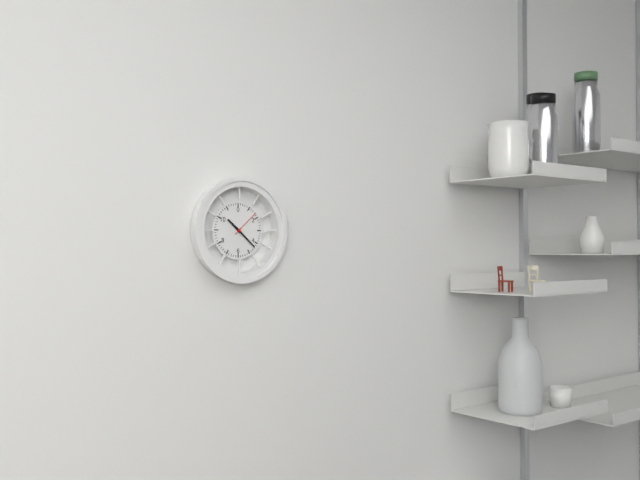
10:22
